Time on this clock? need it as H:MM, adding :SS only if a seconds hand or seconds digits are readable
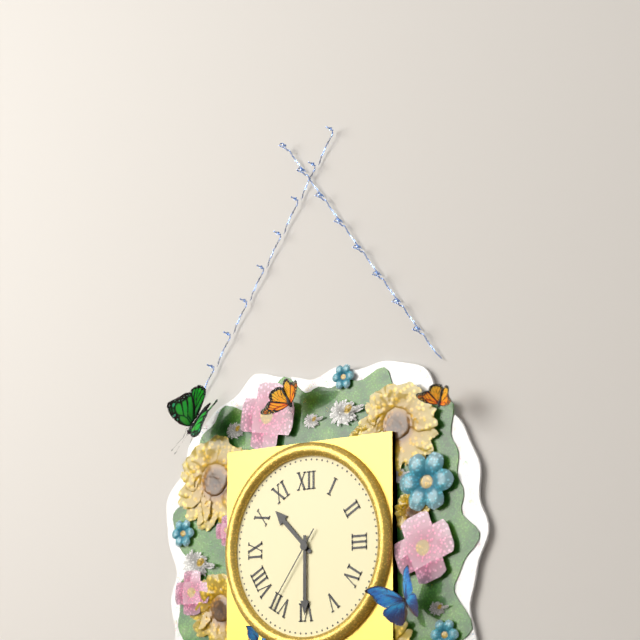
10:30:36
